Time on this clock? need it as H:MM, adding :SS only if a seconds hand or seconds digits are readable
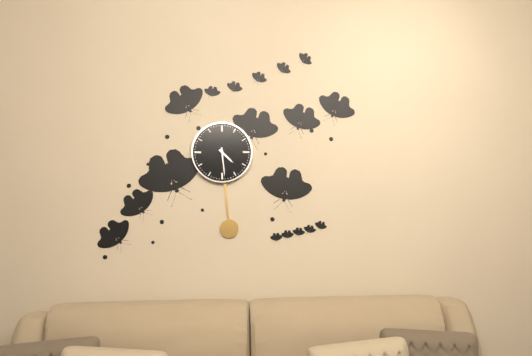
4:29
